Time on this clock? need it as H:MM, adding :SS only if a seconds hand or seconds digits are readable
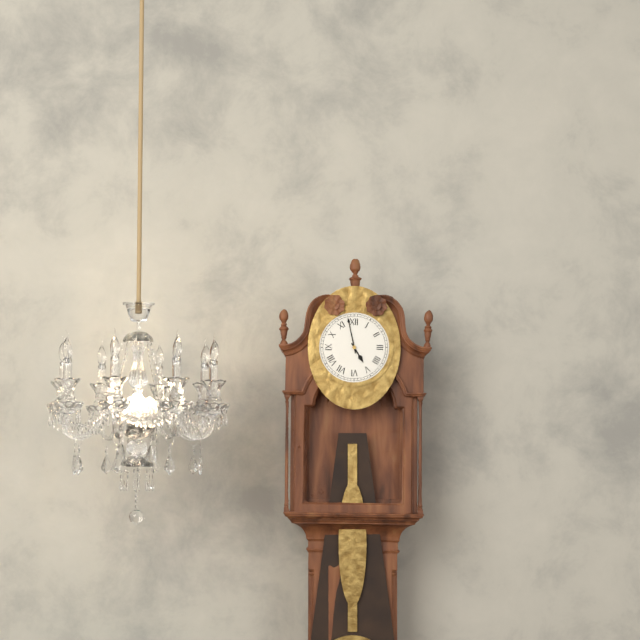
4:58
